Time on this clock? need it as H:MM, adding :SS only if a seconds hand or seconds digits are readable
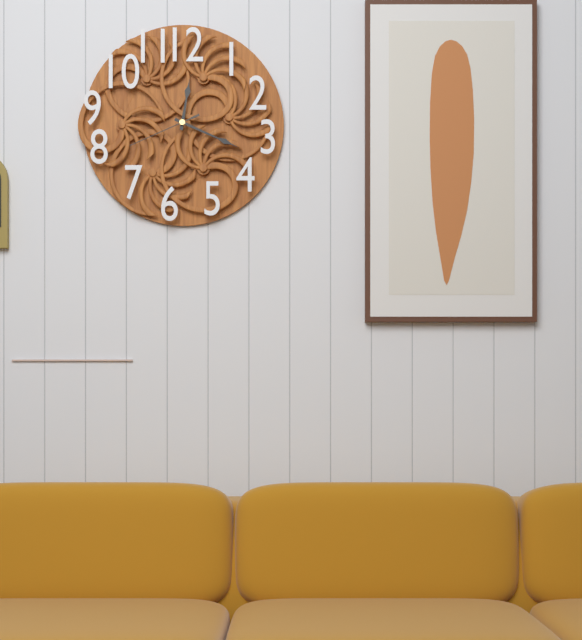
12:19:41
